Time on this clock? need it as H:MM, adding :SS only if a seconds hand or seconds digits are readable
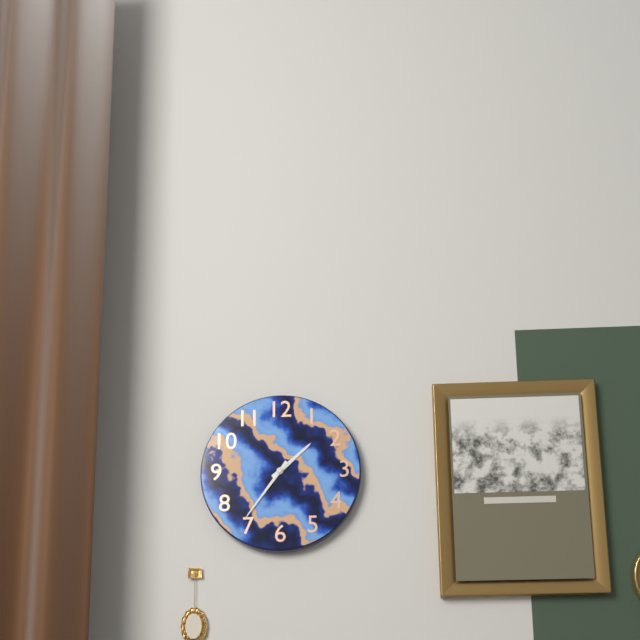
1:36
